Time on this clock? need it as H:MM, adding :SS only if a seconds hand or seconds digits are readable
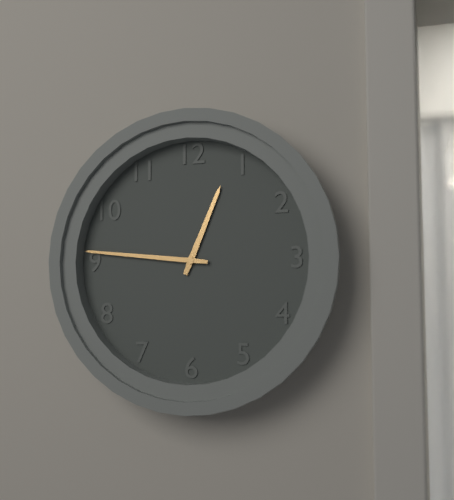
12:46
